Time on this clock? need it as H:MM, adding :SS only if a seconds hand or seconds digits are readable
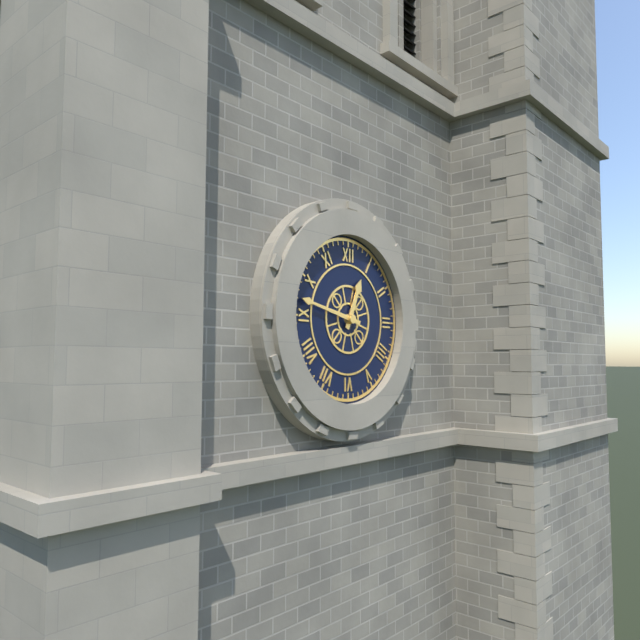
12:47
